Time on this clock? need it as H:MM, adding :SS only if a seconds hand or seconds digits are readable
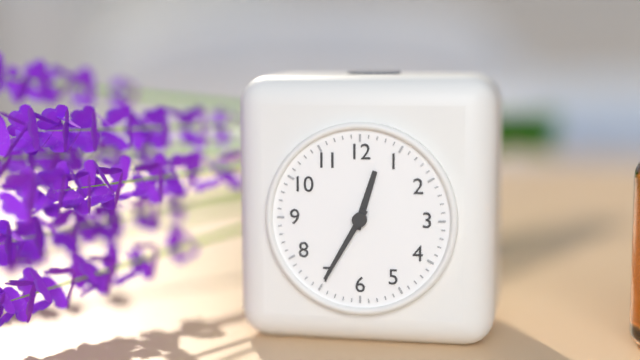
12:35
